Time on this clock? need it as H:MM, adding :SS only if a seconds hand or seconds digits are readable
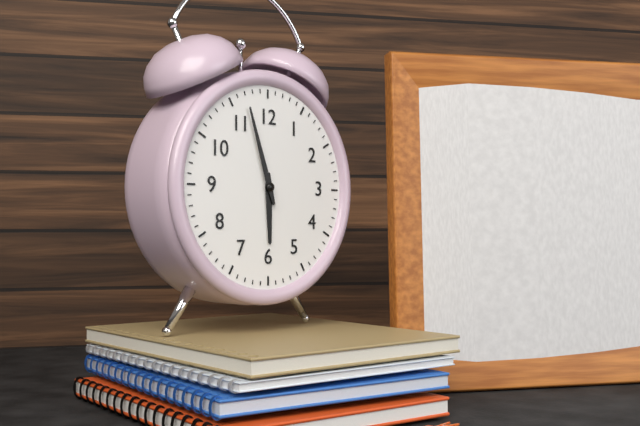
5:57
